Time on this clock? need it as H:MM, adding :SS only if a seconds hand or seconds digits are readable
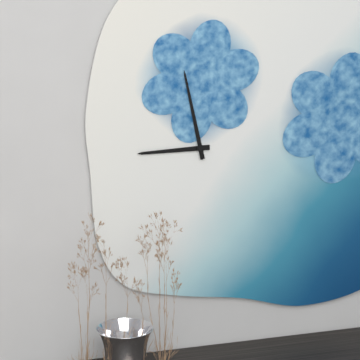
8:58
